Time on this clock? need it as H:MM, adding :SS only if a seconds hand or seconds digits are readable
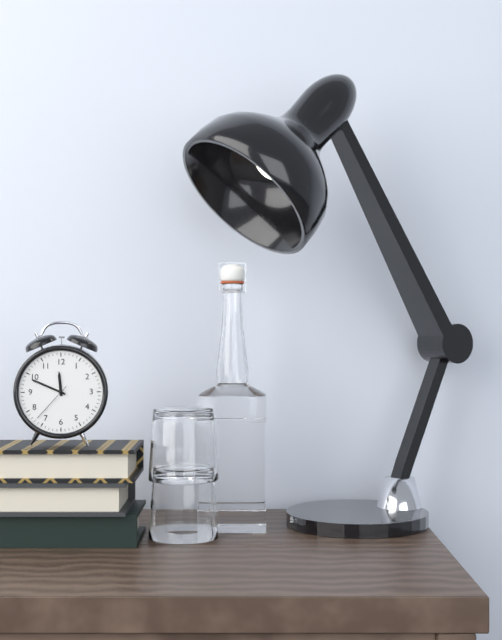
11:49
